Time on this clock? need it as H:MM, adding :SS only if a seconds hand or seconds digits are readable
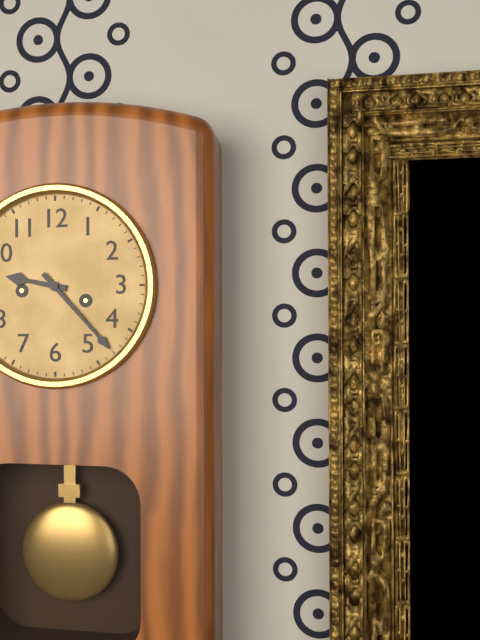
9:23
